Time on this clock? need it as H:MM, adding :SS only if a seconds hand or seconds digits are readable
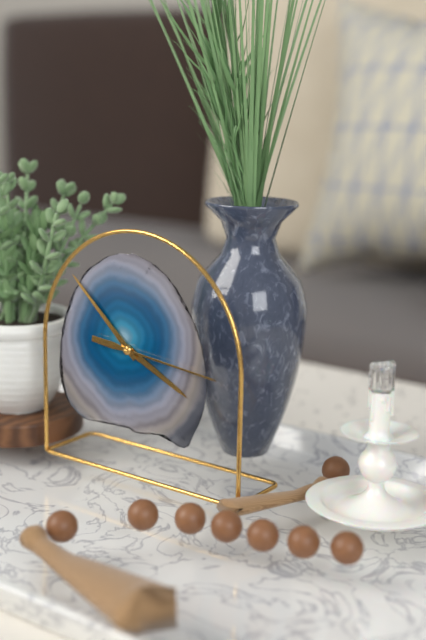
3:52:16
